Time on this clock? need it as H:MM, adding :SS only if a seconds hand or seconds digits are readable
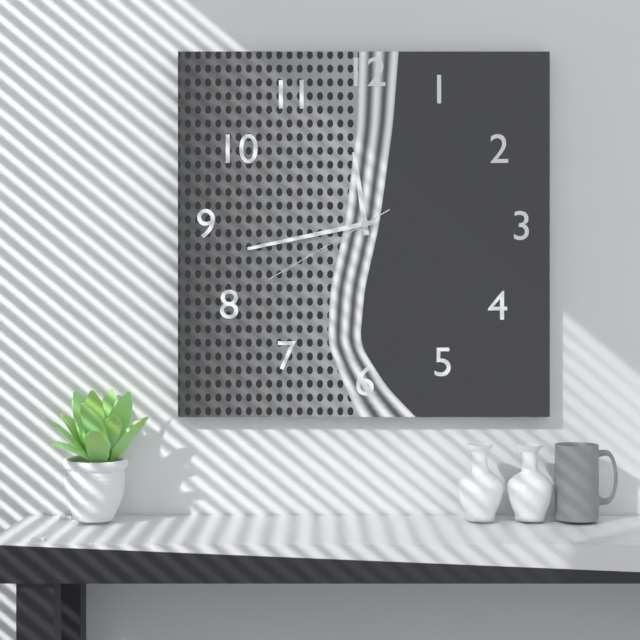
11:43:40
